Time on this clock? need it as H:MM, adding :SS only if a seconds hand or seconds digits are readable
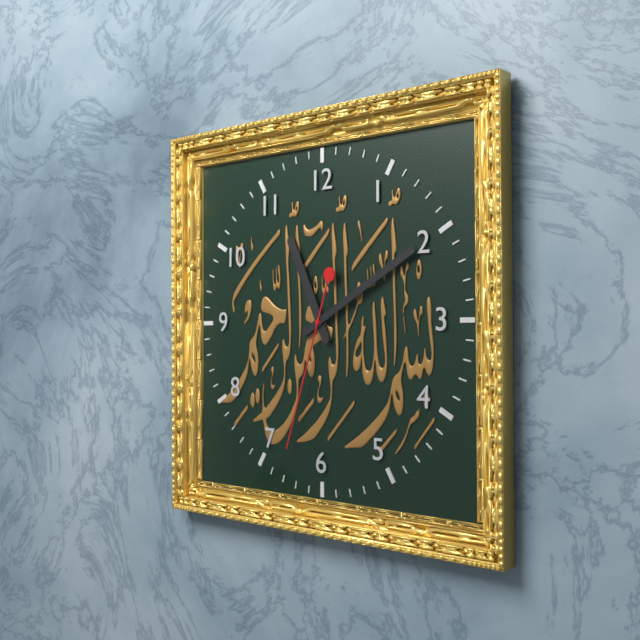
11:10:33
